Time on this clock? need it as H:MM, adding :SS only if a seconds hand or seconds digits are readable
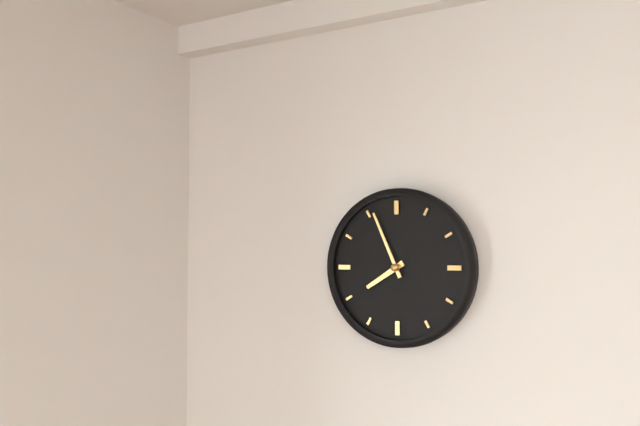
7:56
